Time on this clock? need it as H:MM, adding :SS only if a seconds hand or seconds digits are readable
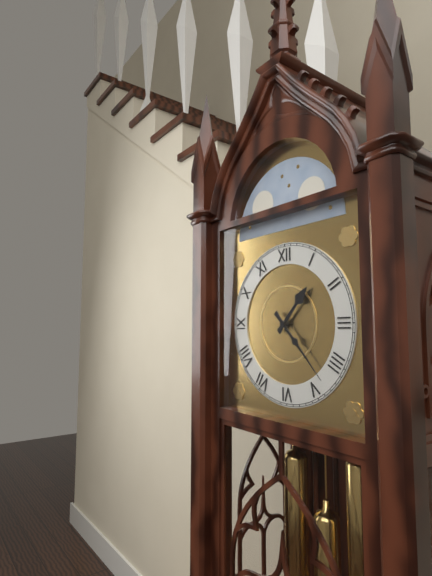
1:23
